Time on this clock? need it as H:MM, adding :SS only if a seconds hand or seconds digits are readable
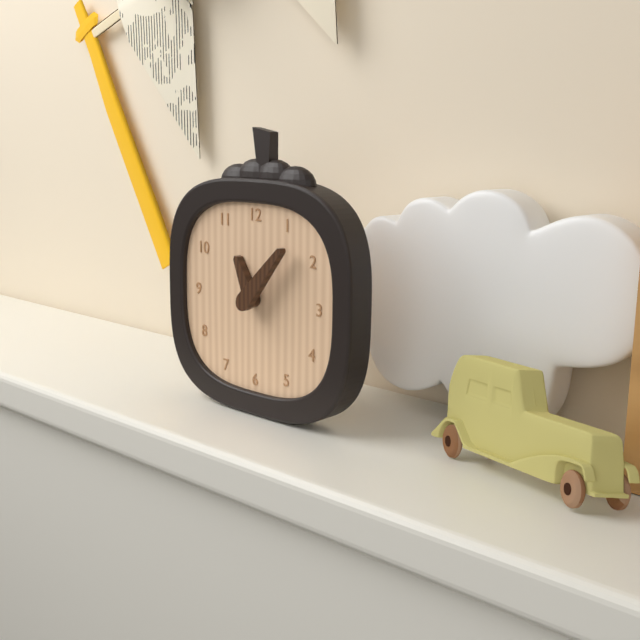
11:07
